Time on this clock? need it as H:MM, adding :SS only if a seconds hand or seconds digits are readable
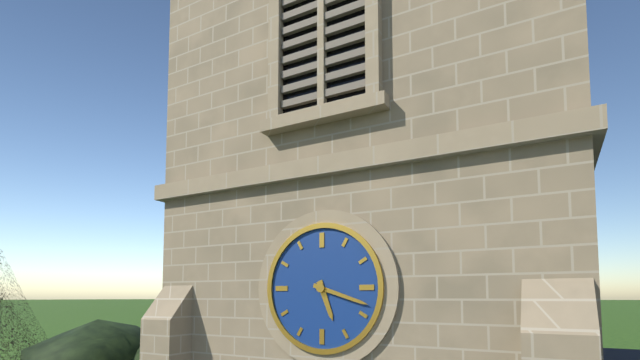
5:18
